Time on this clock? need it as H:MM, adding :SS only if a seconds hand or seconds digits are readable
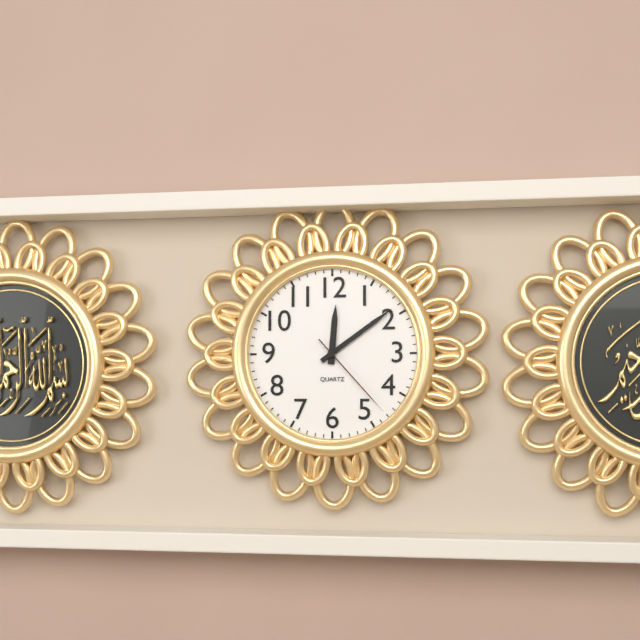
12:09:23
